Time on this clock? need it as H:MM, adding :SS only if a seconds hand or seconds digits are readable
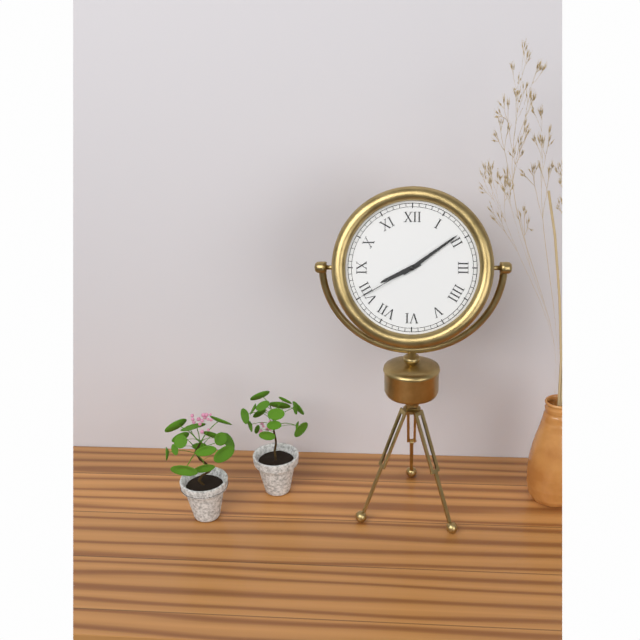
8:09:40
